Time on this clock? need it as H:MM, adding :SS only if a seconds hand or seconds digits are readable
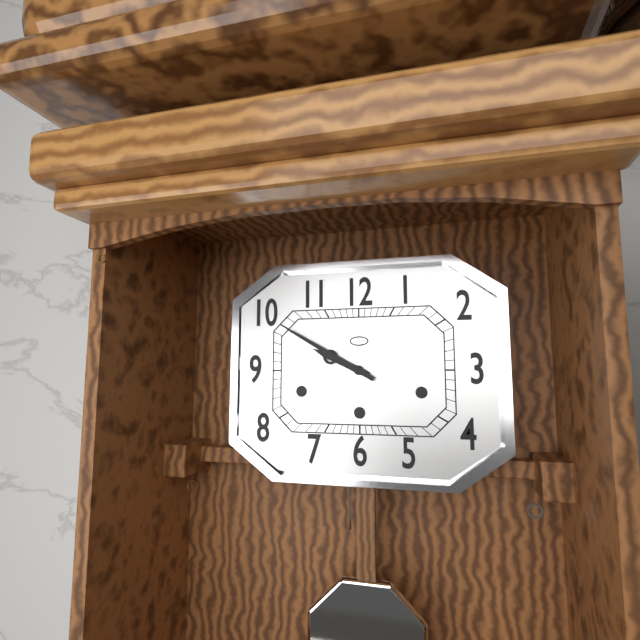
9:50
